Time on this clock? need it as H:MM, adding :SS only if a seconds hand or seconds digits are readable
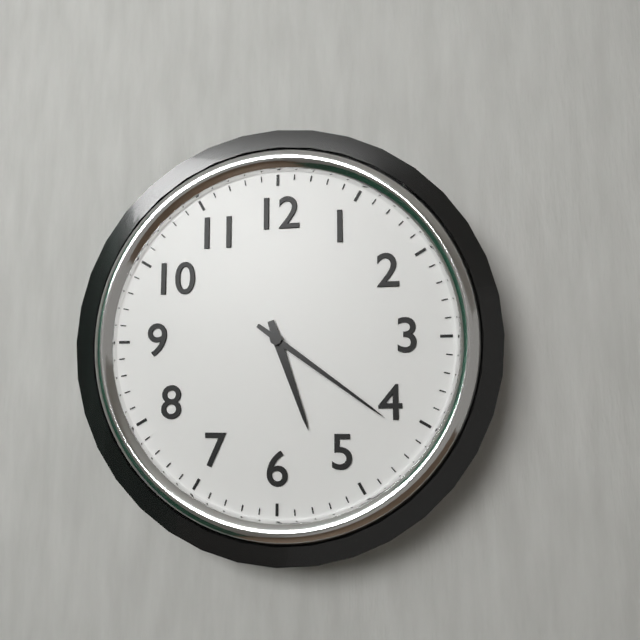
5:21
